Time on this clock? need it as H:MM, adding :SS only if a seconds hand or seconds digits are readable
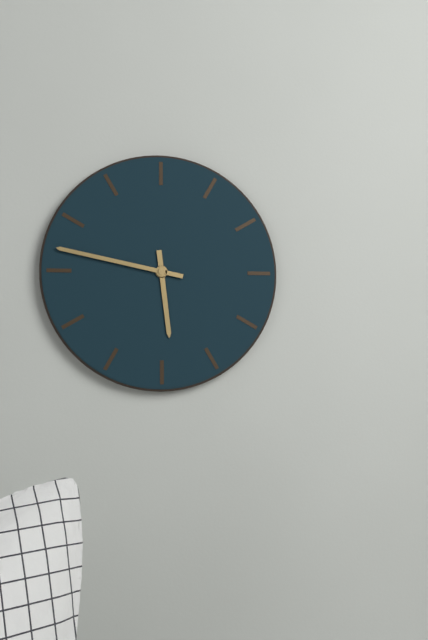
5:47
